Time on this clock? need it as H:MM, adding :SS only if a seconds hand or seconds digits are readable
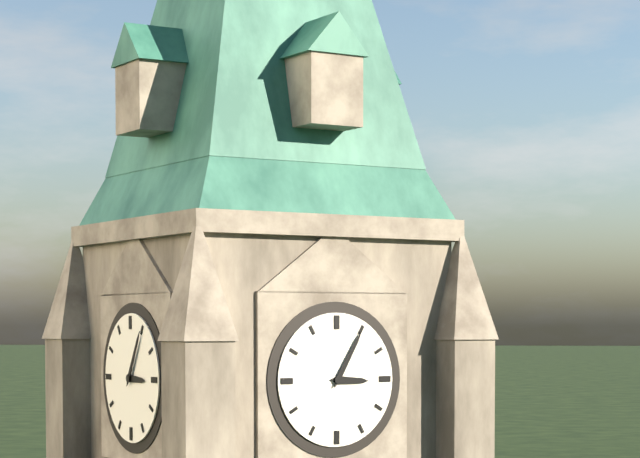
3:05
